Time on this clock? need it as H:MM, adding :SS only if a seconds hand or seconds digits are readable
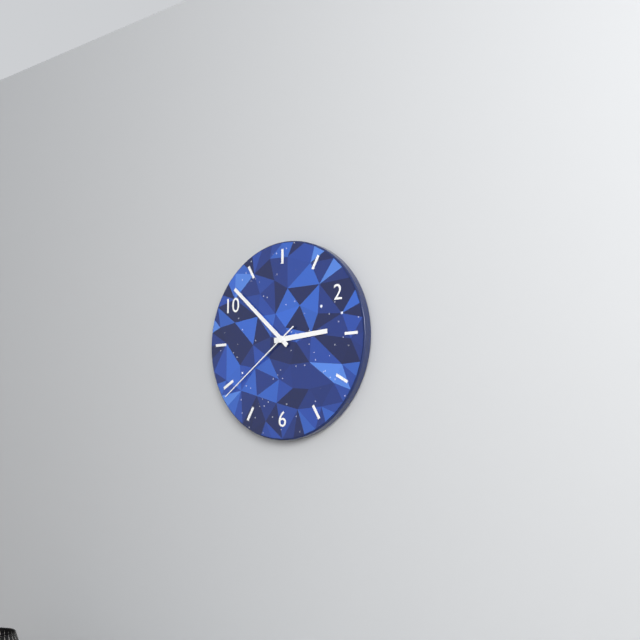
2:52:39
